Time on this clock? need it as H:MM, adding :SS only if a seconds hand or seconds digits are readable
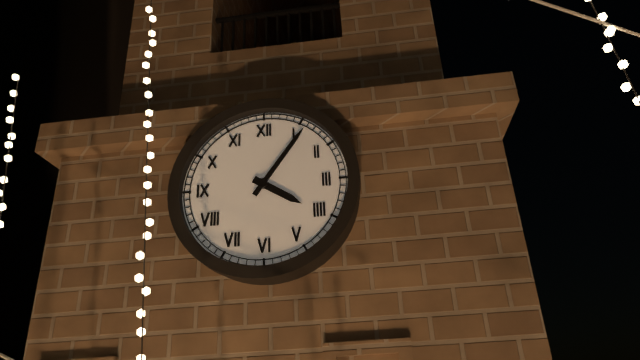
4:06
